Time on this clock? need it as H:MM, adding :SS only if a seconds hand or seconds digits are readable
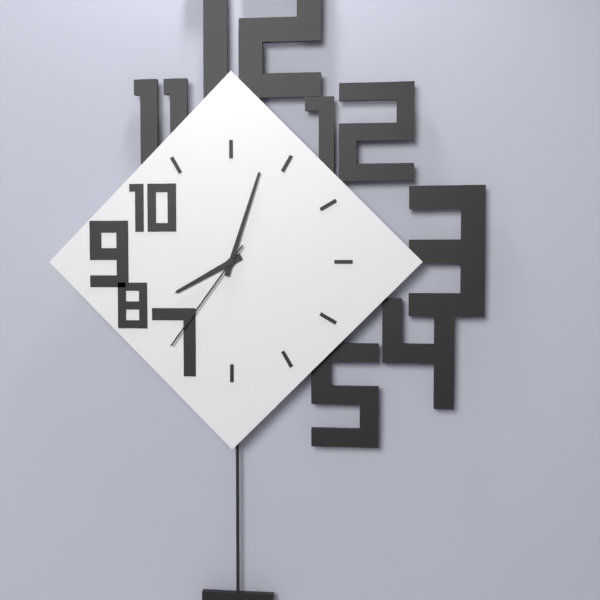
8:03:36
